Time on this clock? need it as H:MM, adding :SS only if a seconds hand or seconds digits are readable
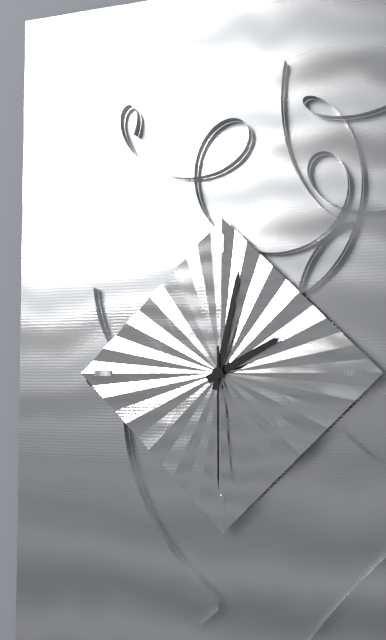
2:02:30
